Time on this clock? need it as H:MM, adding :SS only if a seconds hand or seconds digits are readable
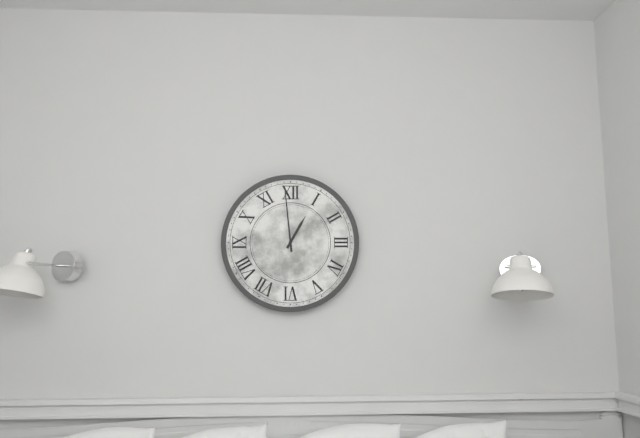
12:59
